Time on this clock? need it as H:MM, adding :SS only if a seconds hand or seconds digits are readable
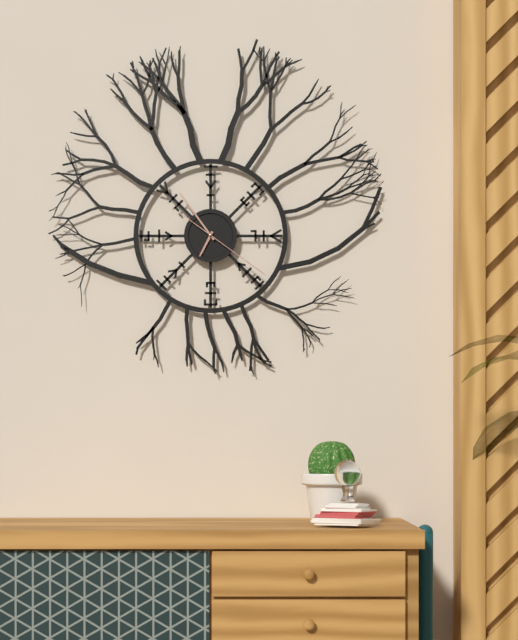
6:54:21
